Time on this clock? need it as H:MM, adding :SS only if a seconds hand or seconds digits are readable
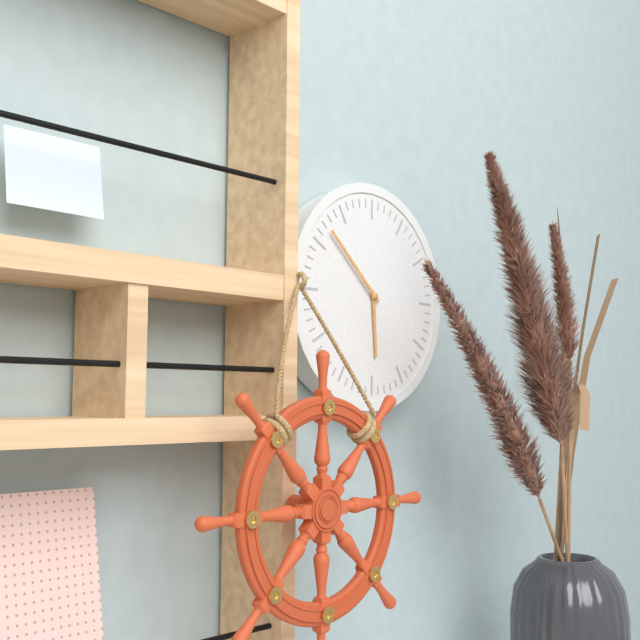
5:52
